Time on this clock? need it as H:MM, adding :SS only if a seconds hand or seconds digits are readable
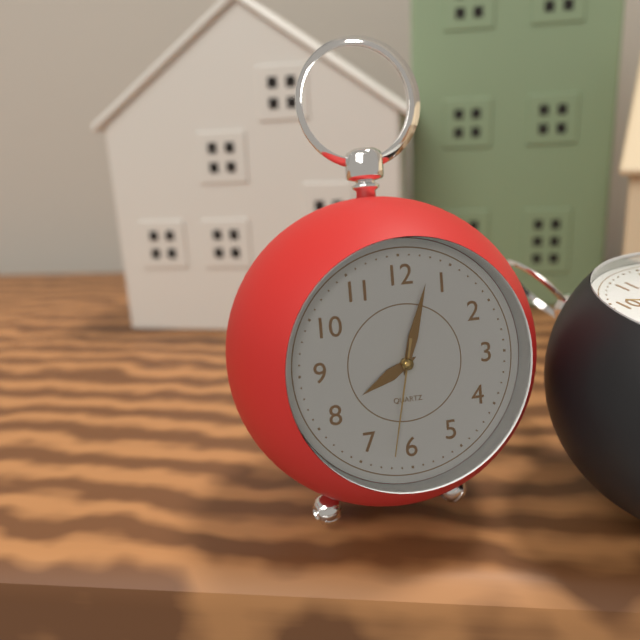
8:03:32
